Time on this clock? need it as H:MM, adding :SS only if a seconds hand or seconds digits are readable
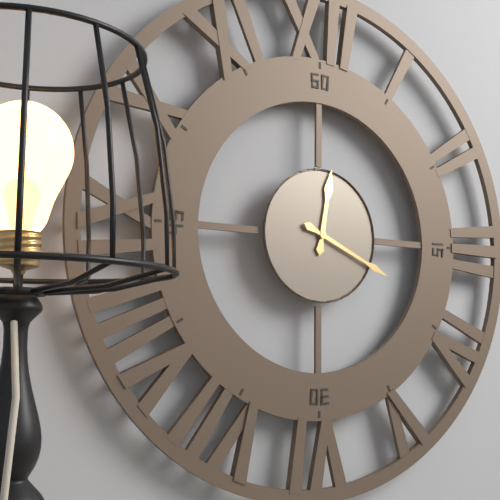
12:19
